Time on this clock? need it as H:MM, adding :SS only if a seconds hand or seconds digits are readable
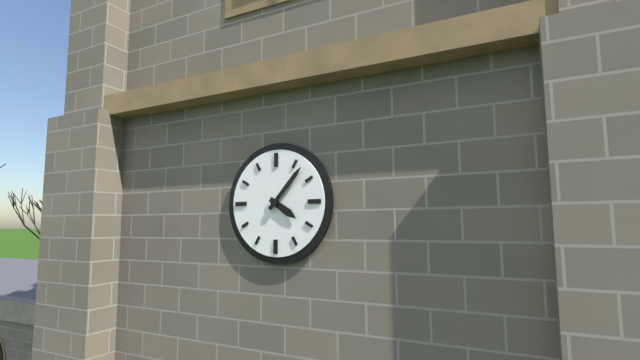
4:07
